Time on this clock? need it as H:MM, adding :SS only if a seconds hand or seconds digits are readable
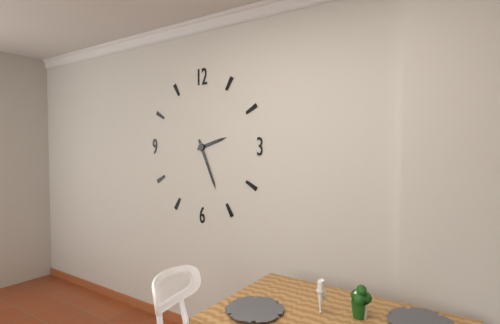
2:26
